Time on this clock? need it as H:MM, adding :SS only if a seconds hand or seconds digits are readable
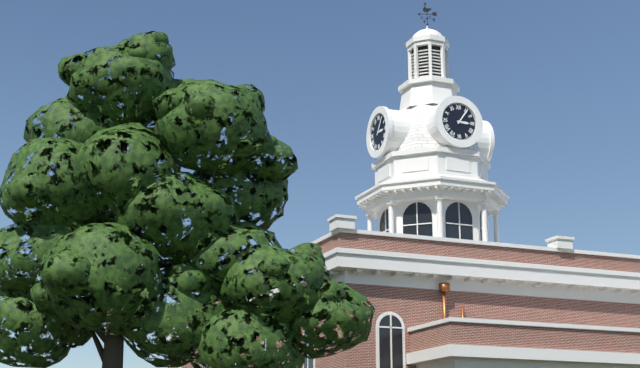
3:06
